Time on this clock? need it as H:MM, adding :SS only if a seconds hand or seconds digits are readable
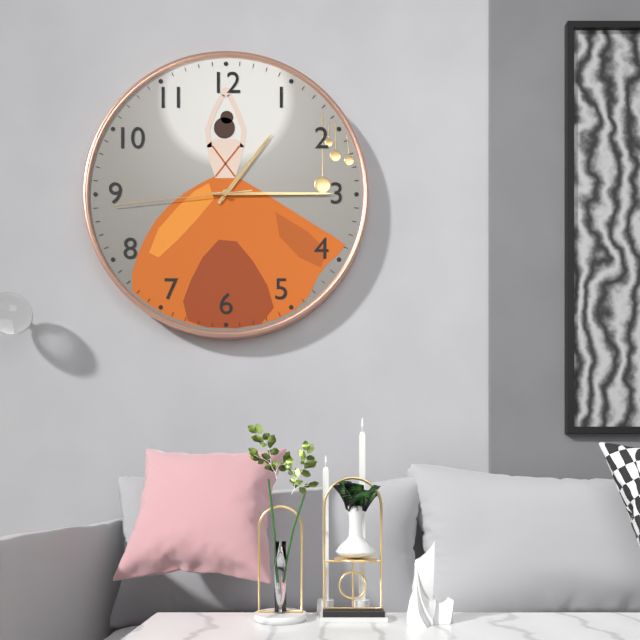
1:15:44
